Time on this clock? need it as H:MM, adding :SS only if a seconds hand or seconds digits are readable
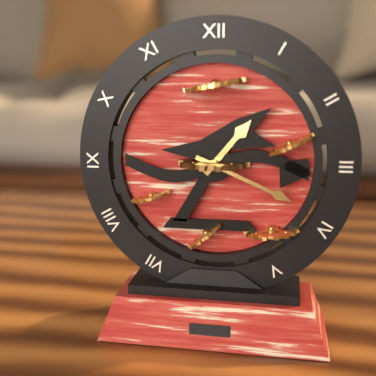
1:19
